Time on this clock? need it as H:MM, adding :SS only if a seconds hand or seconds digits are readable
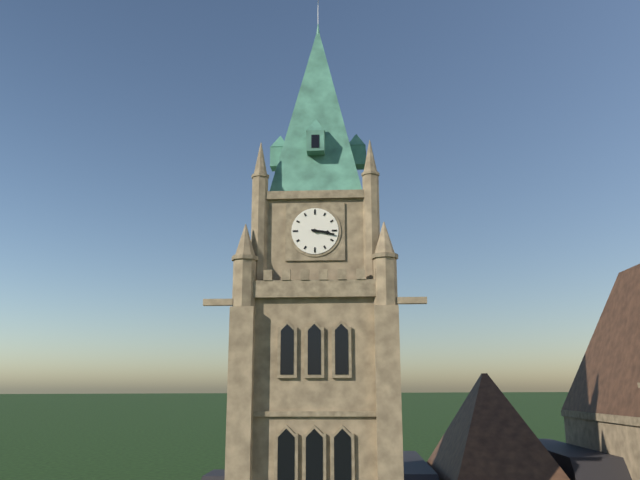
3:17
